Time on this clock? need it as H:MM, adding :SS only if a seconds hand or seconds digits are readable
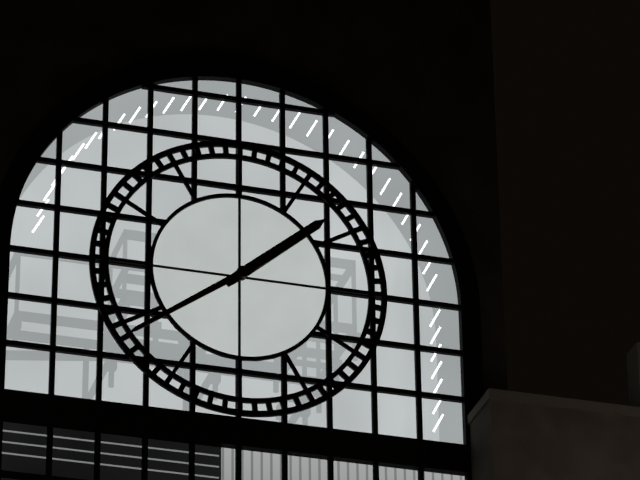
1:39
